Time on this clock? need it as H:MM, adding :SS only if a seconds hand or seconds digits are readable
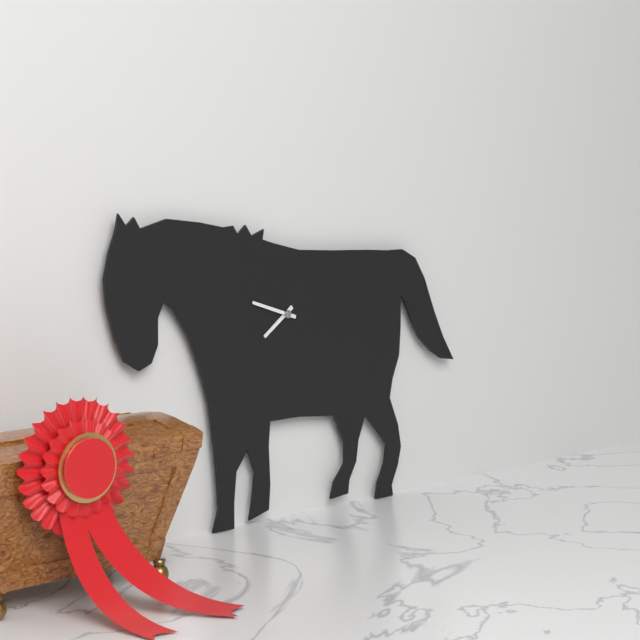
7:48
